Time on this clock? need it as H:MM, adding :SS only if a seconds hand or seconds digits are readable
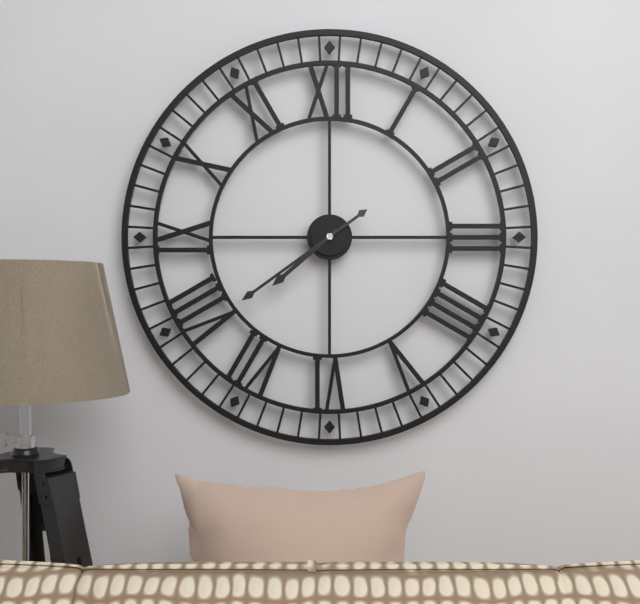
7:39
